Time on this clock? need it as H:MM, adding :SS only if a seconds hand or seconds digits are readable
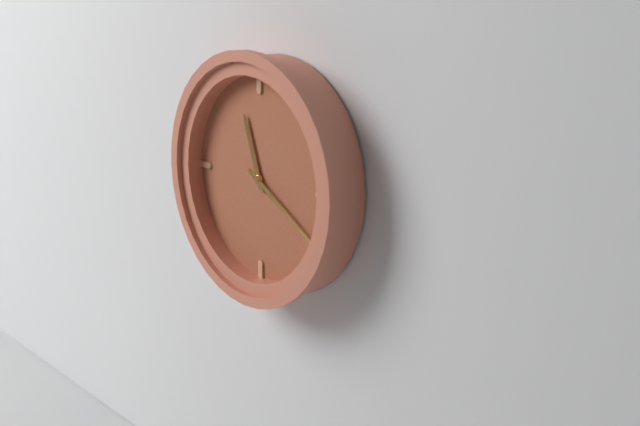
11:20
